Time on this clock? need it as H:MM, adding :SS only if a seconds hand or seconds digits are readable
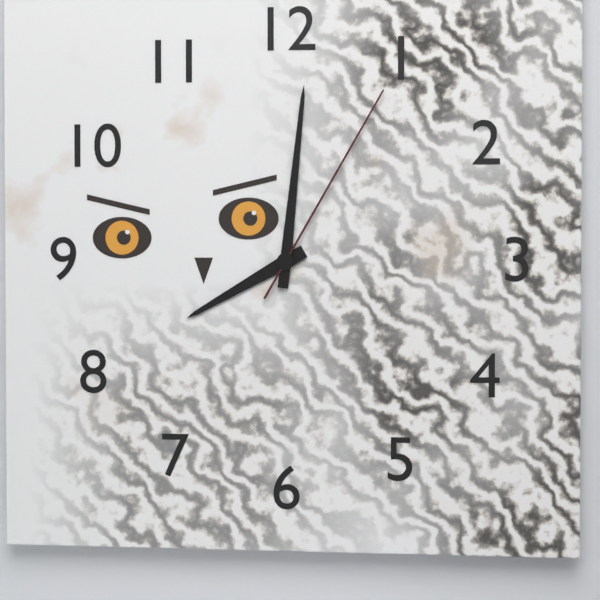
8:01:05
